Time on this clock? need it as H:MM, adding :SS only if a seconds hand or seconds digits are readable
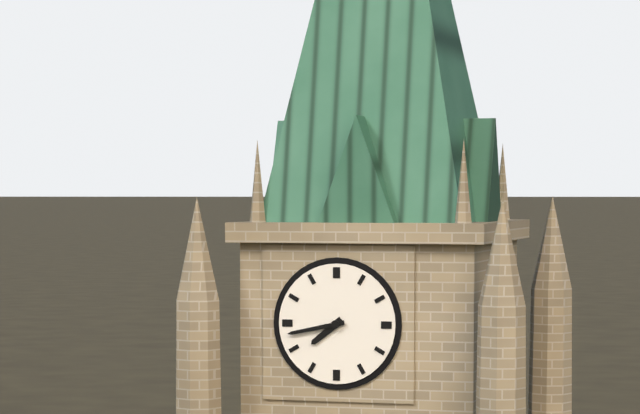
7:43
